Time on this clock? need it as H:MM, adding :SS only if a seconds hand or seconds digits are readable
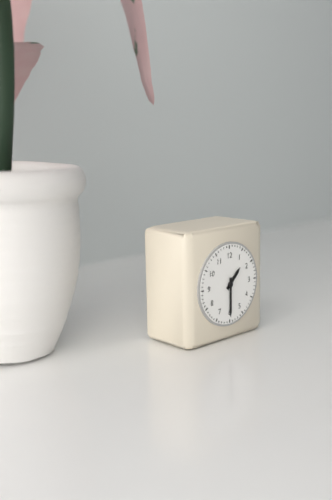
1:30
